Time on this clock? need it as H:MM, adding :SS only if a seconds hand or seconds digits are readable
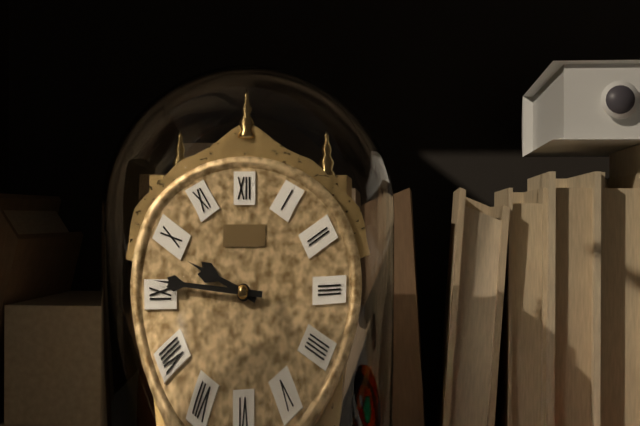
9:46
